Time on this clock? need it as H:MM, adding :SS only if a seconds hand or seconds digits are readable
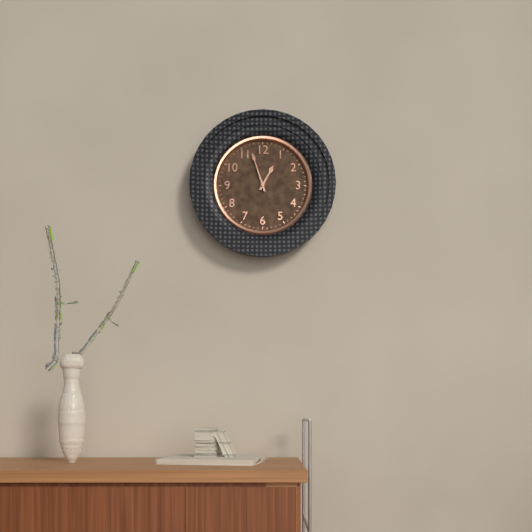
12:57
